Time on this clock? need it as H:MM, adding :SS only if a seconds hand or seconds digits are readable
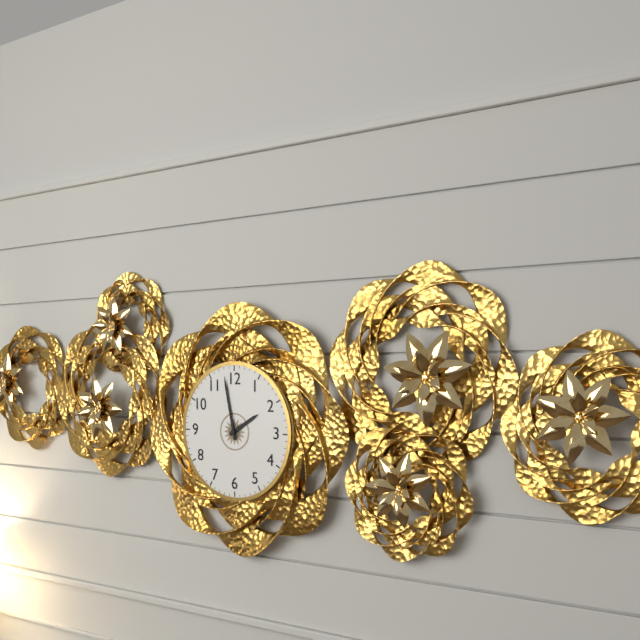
1:58
